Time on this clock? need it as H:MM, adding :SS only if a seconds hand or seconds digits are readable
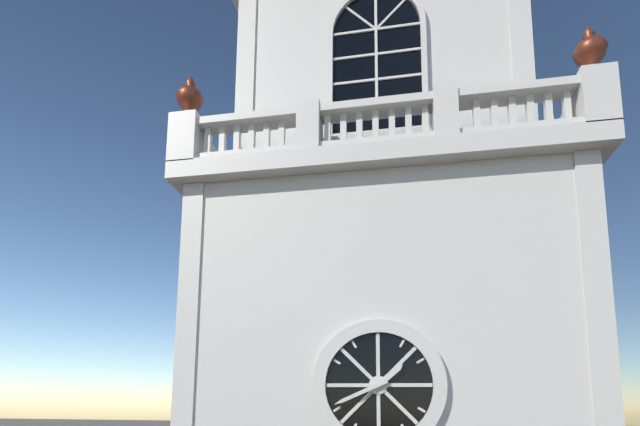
1:41
